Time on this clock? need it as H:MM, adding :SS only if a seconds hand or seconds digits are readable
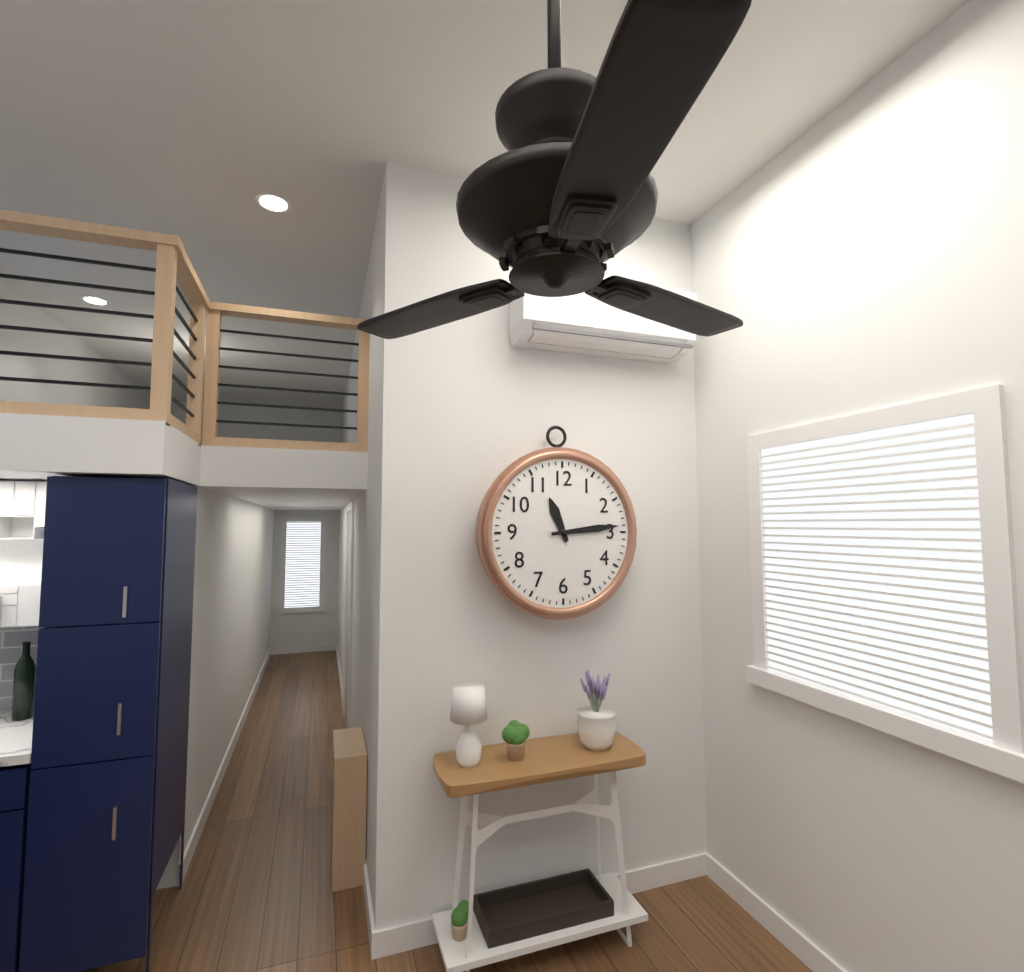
11:14
